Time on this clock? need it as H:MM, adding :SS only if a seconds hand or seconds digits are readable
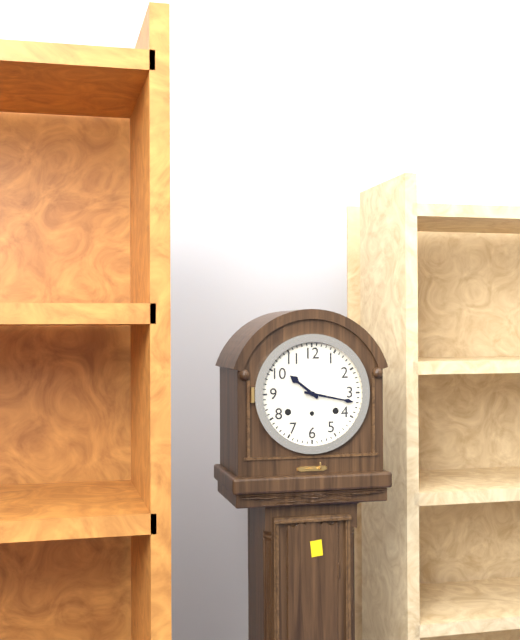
10:17
